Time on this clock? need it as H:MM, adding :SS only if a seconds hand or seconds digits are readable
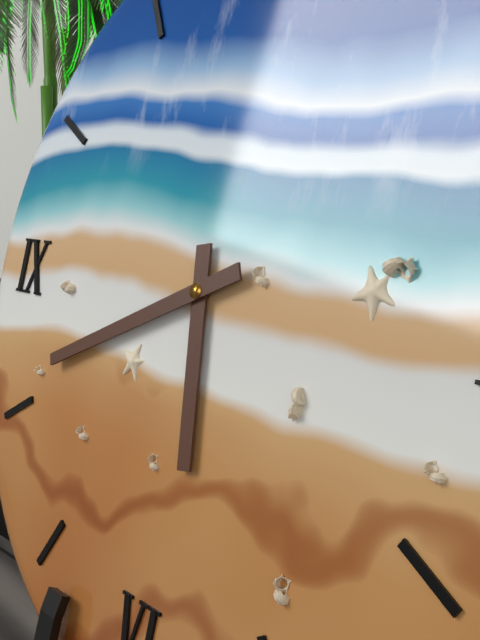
5:41
